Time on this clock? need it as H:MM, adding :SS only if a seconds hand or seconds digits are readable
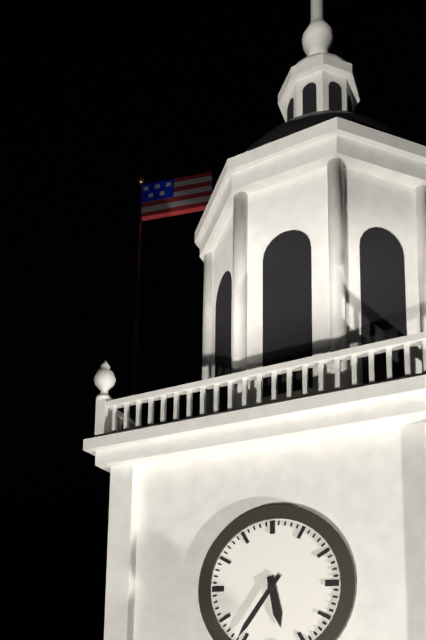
5:36
